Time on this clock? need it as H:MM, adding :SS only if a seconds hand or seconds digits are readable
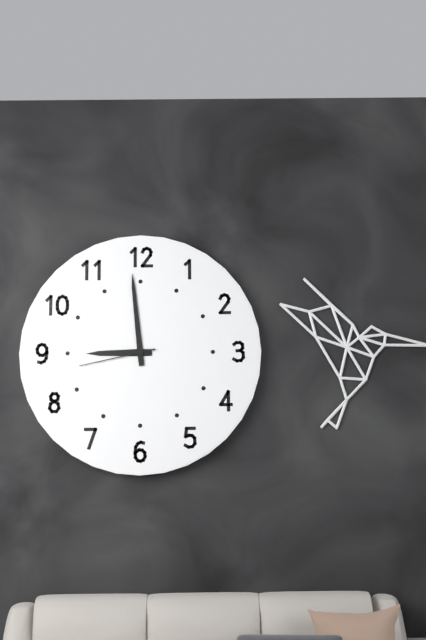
8:59:43
